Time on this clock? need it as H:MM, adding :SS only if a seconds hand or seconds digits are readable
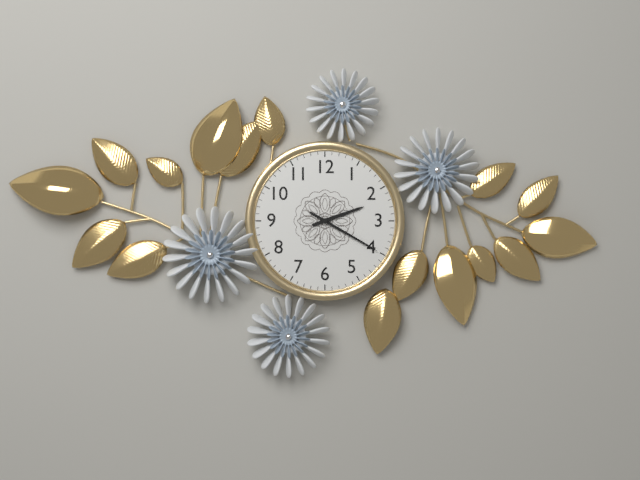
2:20
